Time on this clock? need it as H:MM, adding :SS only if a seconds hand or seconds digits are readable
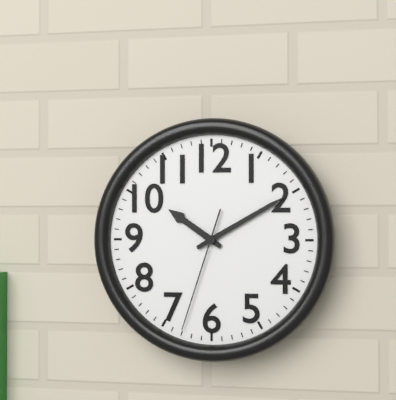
10:10:33
